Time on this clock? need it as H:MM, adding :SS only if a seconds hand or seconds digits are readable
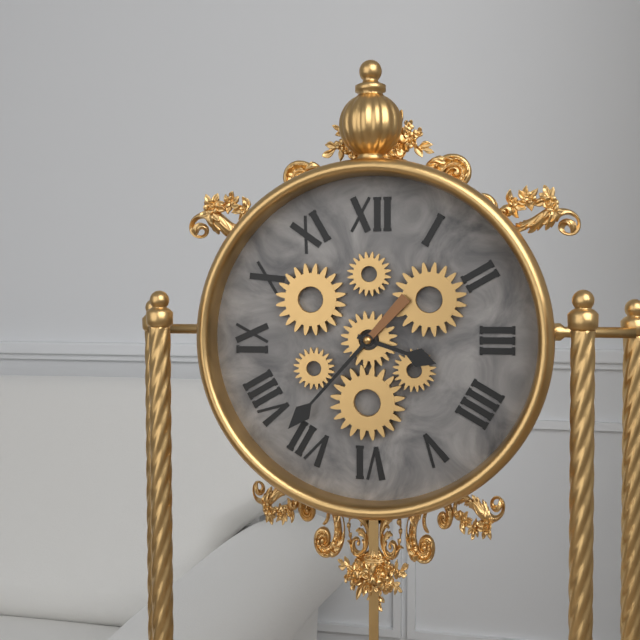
3:37
